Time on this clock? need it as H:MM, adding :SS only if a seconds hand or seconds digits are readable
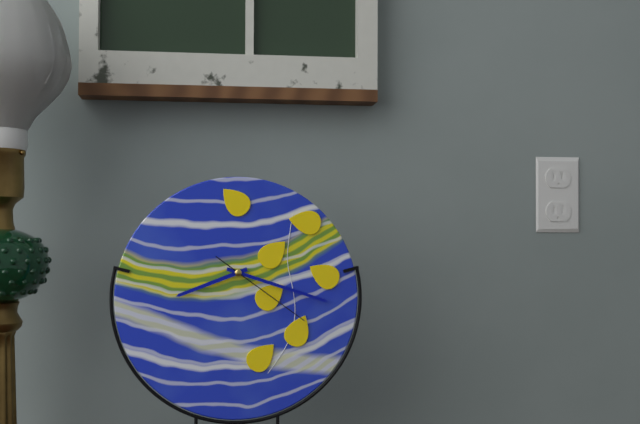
8:18:21
